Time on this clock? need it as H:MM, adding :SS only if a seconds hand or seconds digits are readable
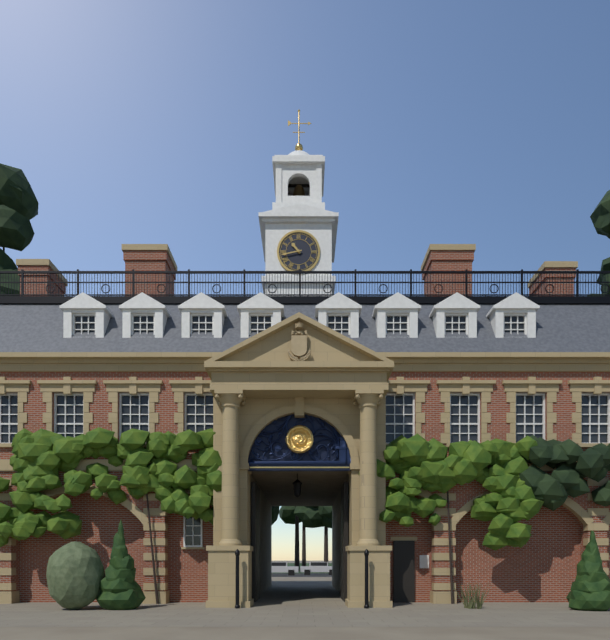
10:43
